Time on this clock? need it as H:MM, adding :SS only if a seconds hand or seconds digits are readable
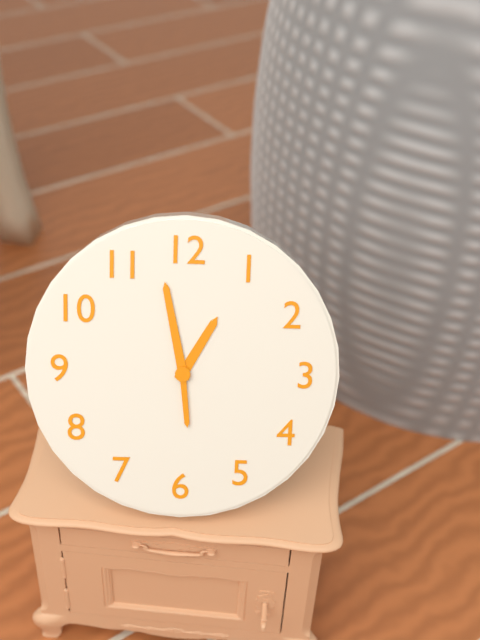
12:58:29
